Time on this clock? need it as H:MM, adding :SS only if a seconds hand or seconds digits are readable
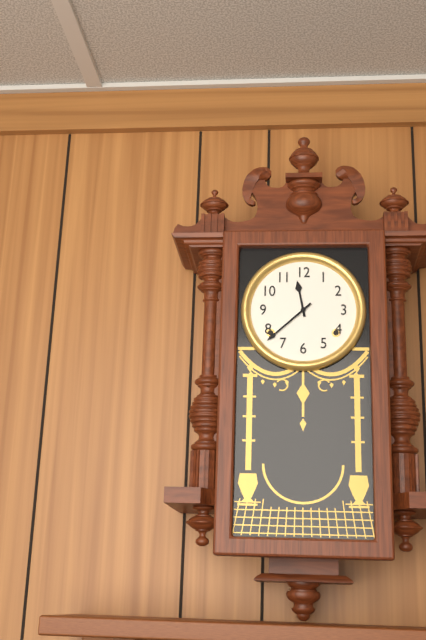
11:38
